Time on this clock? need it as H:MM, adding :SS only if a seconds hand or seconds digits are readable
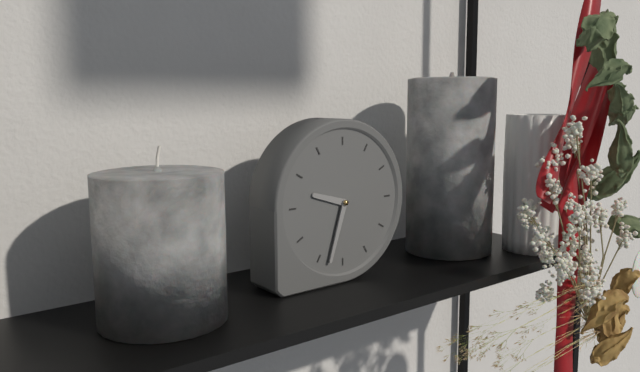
9:33
